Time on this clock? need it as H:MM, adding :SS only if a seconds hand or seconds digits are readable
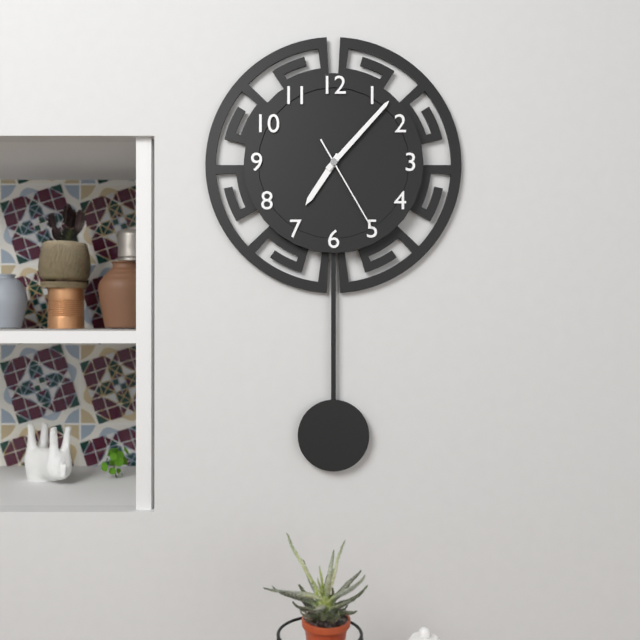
7:07:25
